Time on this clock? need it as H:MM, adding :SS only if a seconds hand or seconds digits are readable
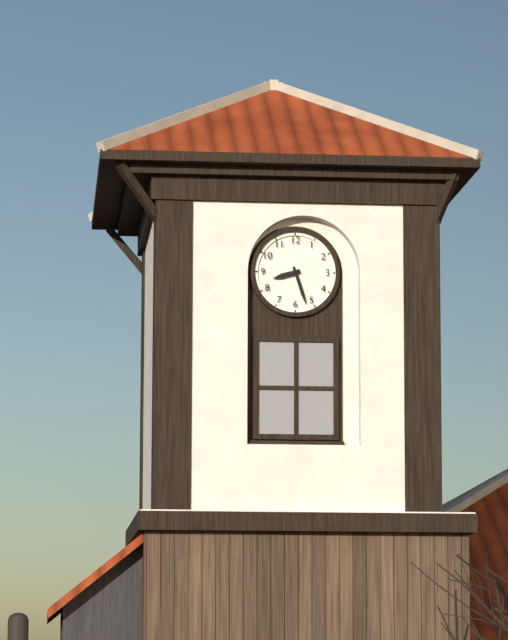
8:27
